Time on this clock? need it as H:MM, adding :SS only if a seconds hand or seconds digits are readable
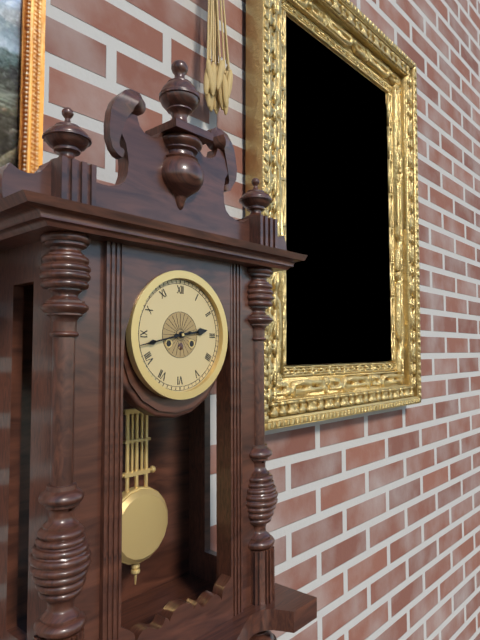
2:43
